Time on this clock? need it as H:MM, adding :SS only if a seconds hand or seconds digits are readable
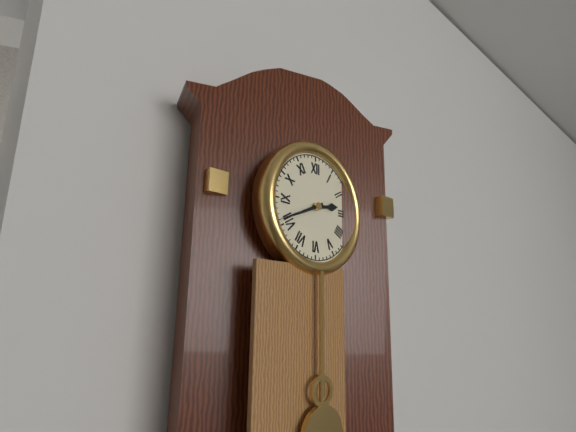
2:41
